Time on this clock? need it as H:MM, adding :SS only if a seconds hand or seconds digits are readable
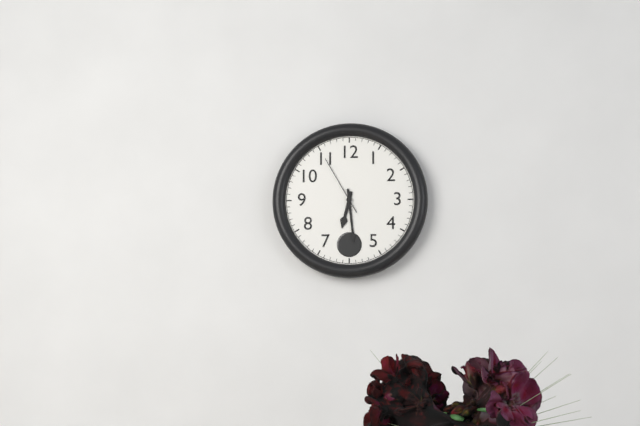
6:29:55
